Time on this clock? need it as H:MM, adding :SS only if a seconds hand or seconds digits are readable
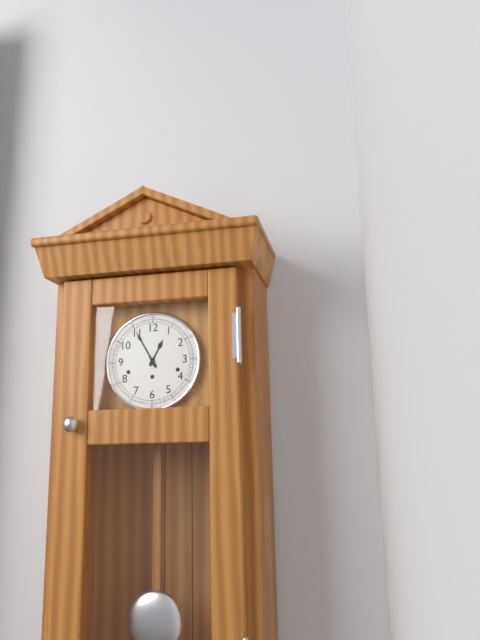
12:55
